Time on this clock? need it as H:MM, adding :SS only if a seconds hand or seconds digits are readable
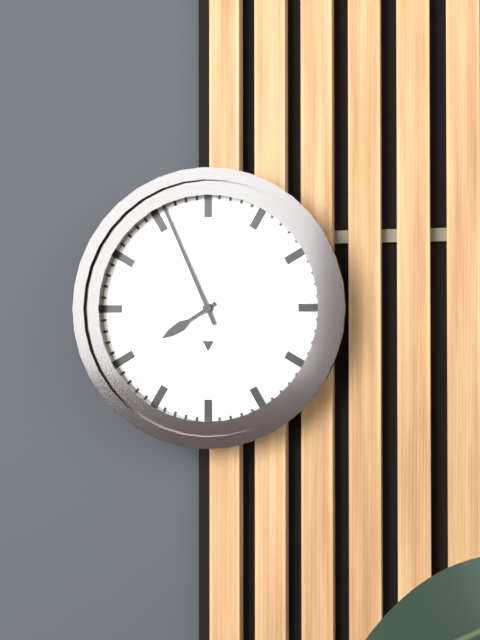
7:56
